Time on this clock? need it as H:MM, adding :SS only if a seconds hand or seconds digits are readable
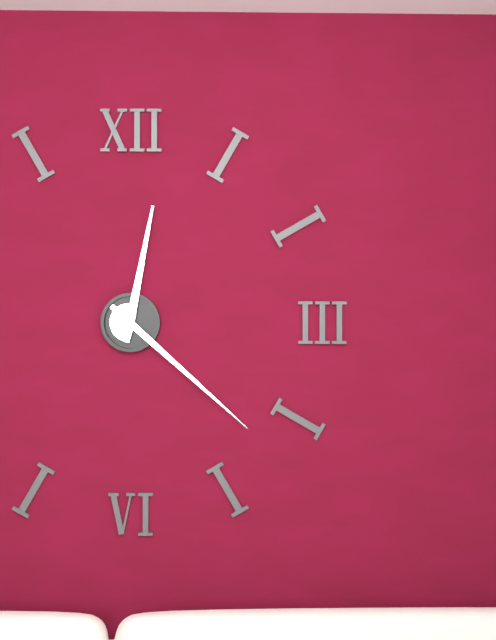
12:22
